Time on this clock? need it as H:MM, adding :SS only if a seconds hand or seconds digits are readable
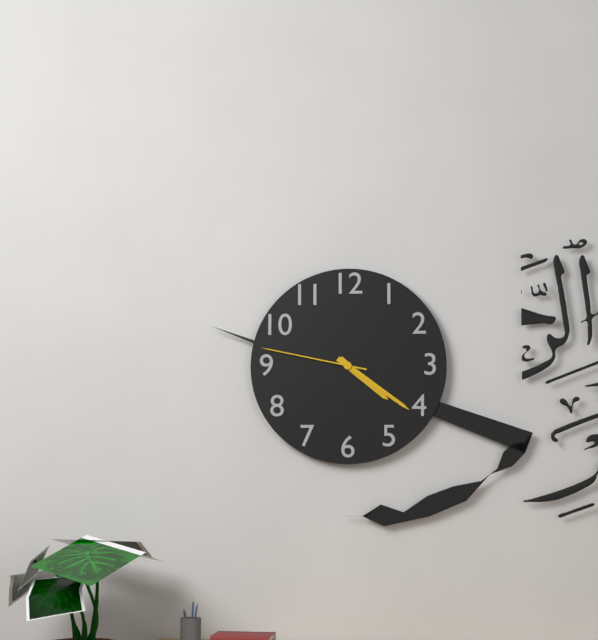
4:21:47
